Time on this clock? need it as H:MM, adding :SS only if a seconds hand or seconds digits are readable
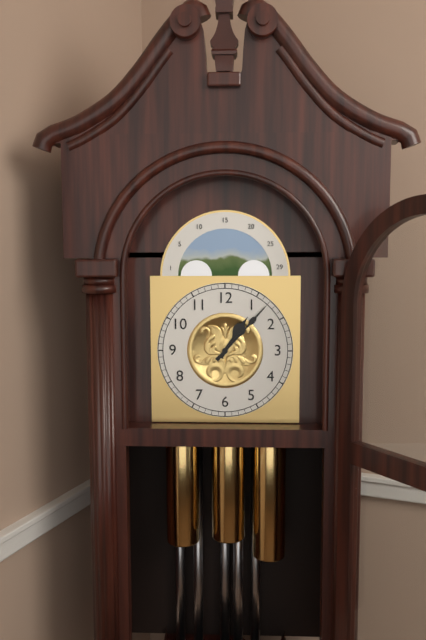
1:07
